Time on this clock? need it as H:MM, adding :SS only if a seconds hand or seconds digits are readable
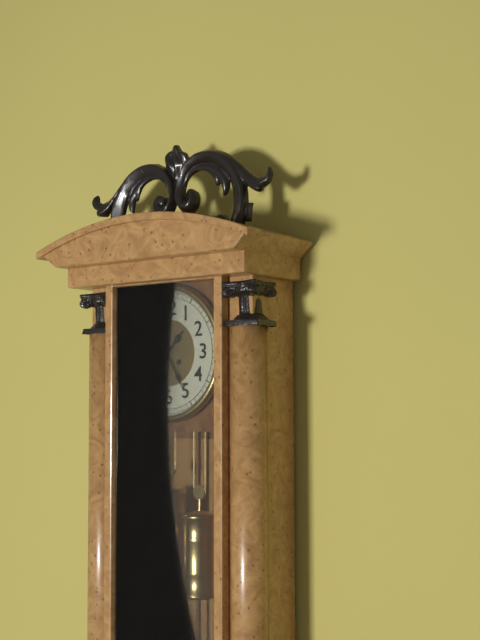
1:25
